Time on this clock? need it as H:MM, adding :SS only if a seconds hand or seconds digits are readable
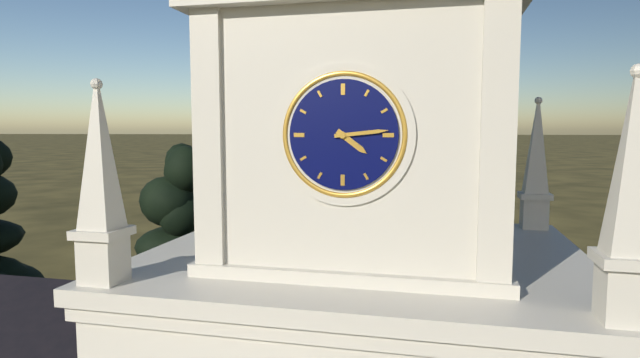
4:14
